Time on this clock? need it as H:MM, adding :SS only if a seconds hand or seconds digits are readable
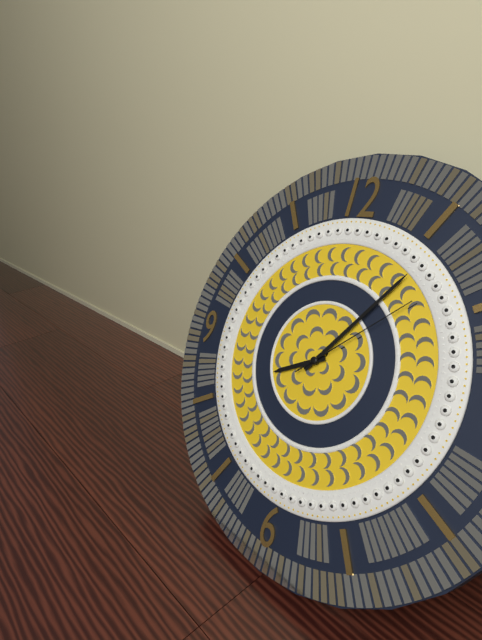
8:06:08
